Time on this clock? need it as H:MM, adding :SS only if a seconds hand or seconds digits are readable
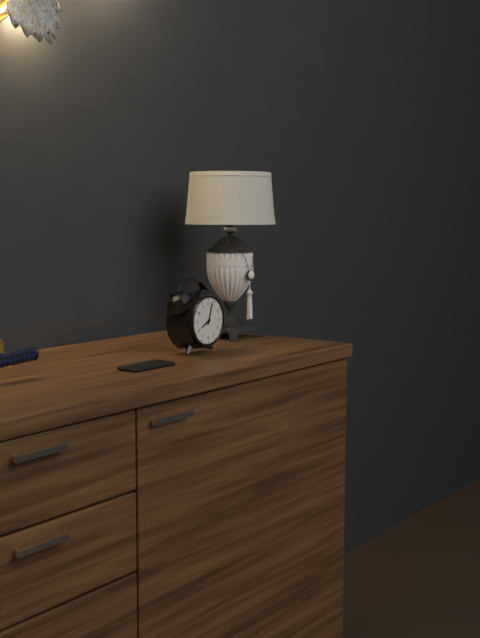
8:03
